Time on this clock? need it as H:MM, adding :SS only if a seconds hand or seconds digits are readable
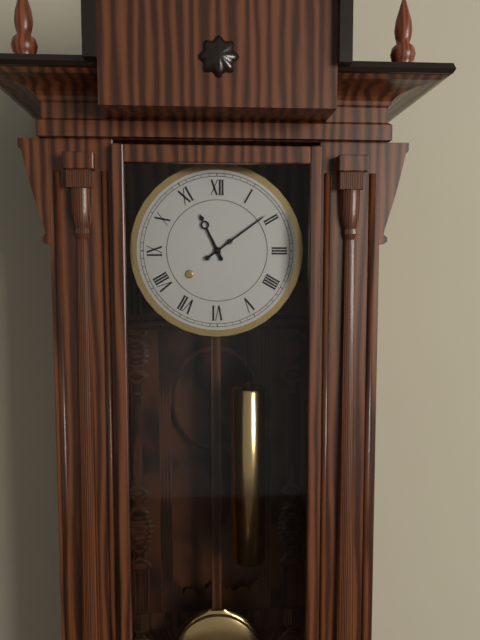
11:09
